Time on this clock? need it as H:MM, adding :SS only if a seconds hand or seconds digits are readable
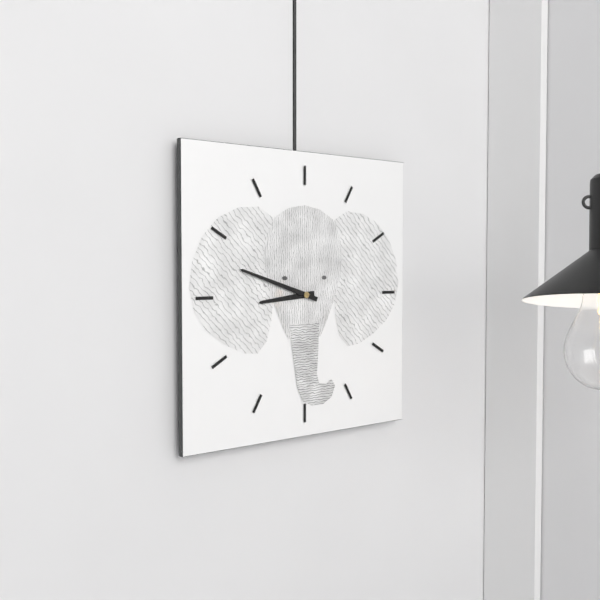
8:48
